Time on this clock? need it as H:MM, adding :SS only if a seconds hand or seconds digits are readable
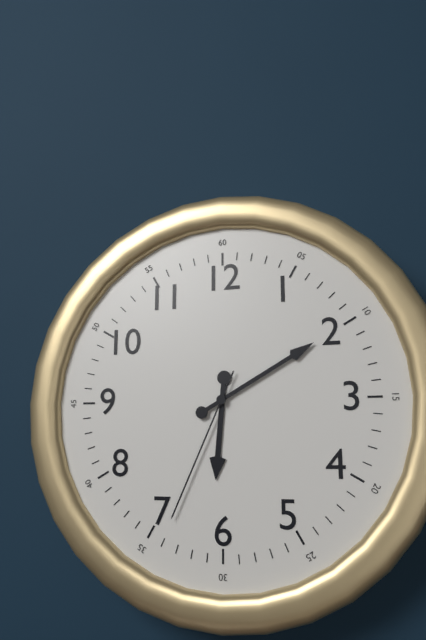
6:10:34
